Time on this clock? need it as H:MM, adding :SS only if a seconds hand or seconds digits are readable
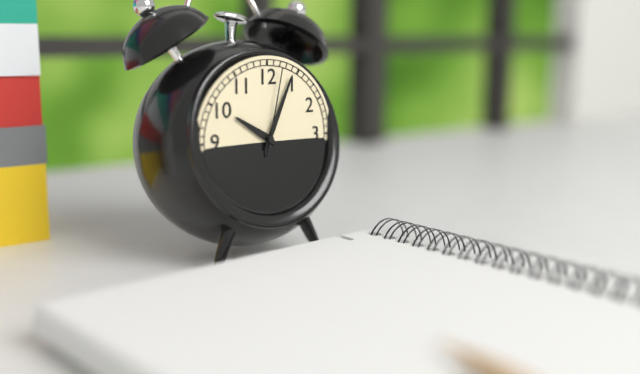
10:04:02
